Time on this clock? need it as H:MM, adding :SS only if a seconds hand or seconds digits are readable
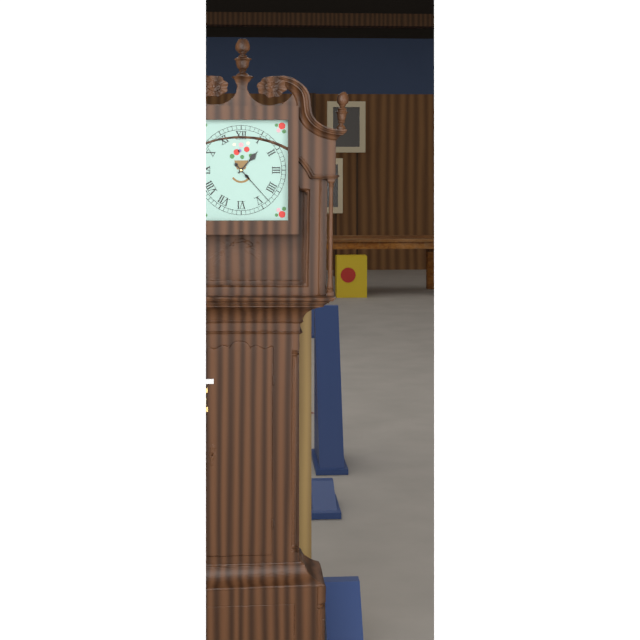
1:23
